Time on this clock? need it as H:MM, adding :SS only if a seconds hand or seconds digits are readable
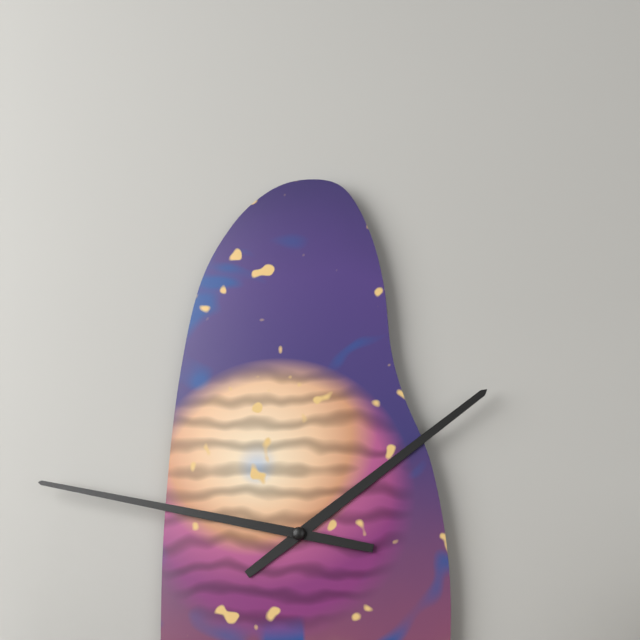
1:47
